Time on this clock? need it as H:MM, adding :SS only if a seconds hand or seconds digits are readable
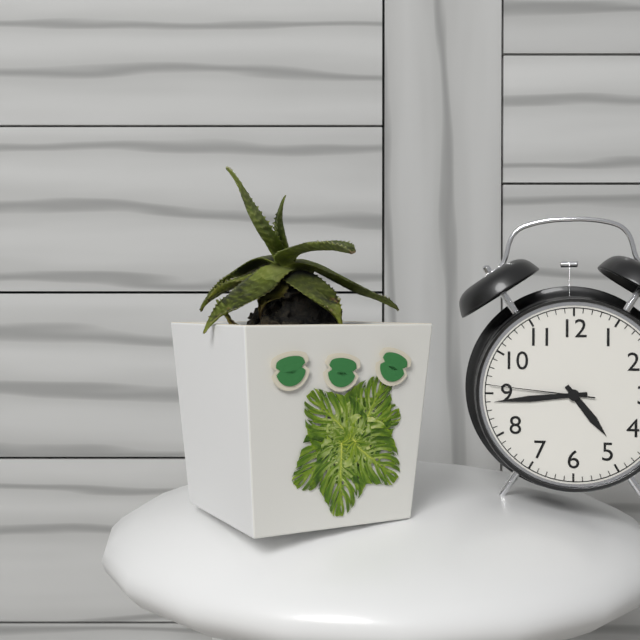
4:44:46
